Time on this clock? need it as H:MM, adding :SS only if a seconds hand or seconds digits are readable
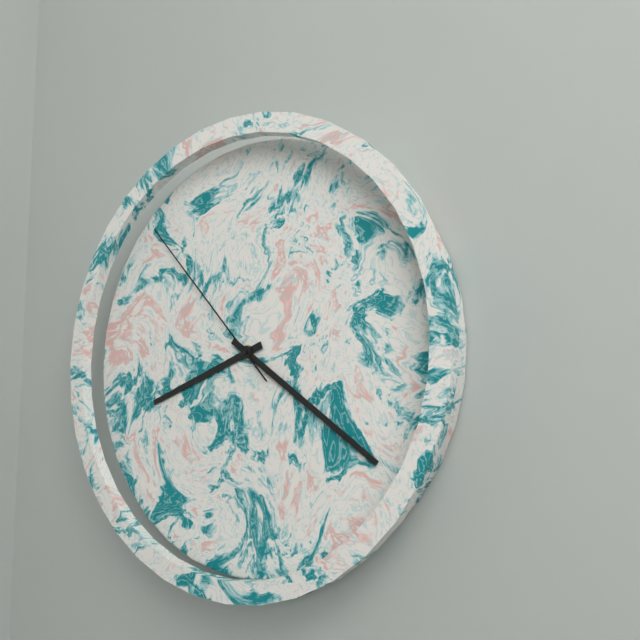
8:21:53
